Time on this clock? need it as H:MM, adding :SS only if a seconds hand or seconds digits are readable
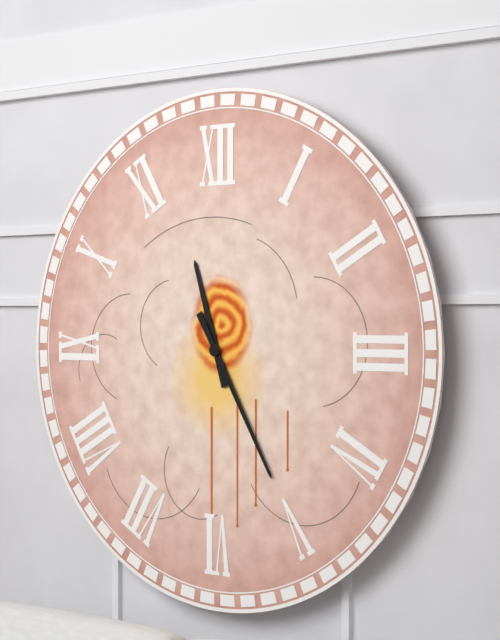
11:25
